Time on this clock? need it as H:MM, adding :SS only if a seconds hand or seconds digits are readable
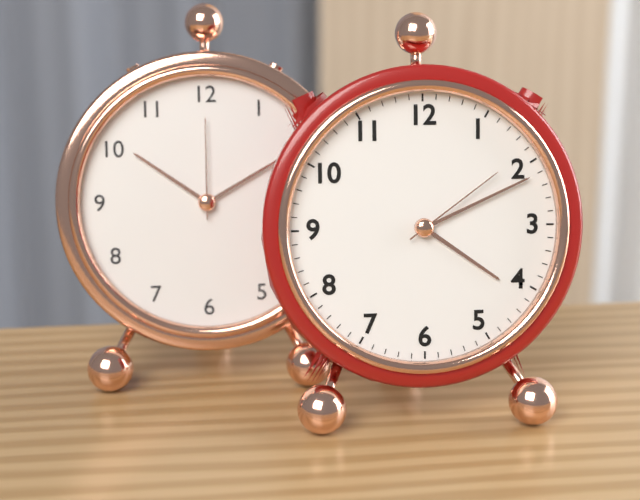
4:11:09
